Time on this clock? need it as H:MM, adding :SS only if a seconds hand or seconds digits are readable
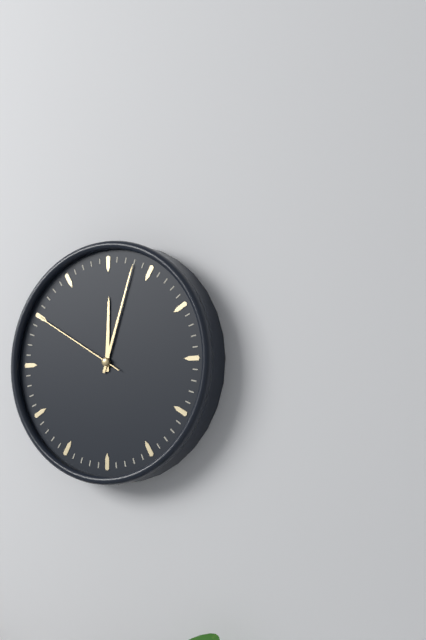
12:03:50
